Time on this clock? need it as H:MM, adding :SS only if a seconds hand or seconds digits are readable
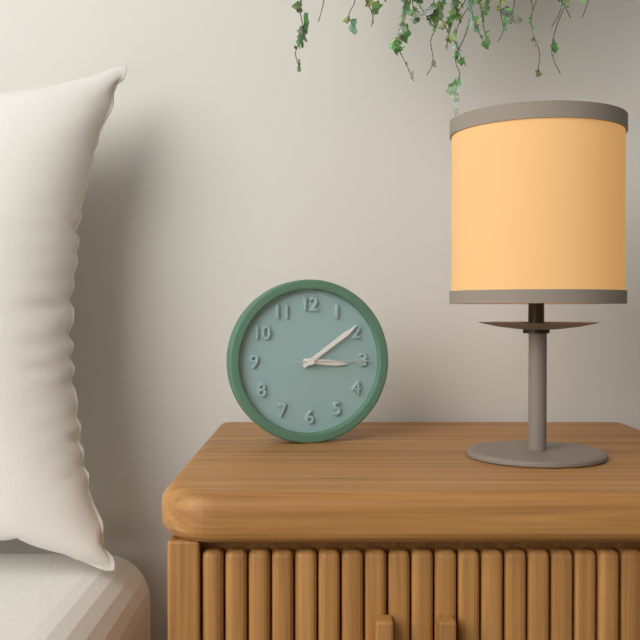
3:09:15
